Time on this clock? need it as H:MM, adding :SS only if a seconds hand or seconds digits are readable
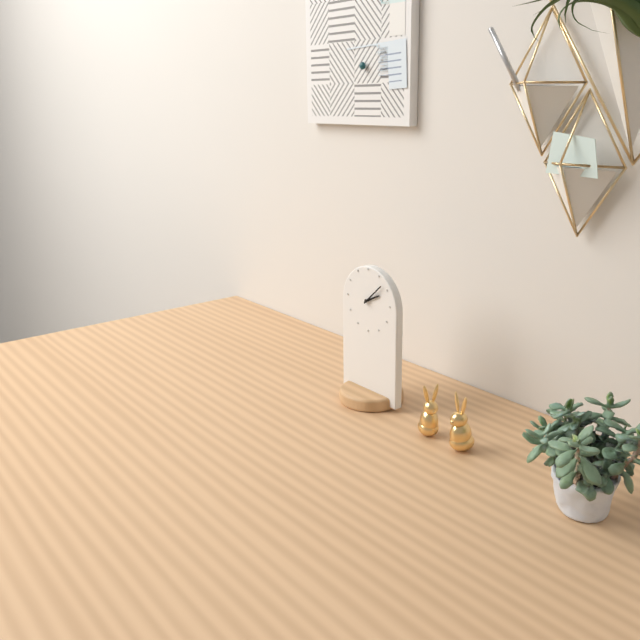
2:08
